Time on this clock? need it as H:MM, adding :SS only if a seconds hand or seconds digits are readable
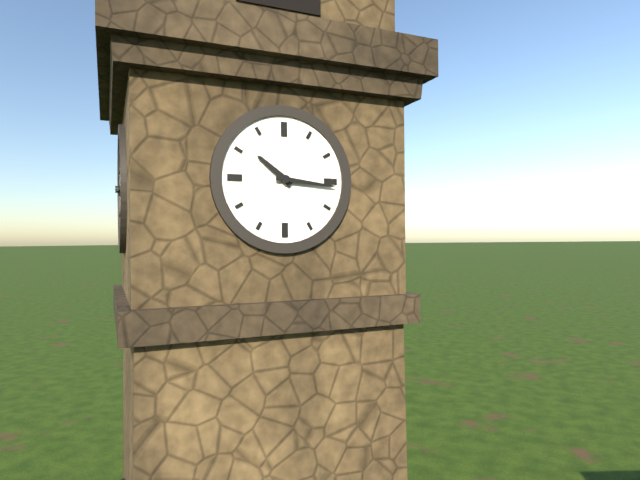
10:16
